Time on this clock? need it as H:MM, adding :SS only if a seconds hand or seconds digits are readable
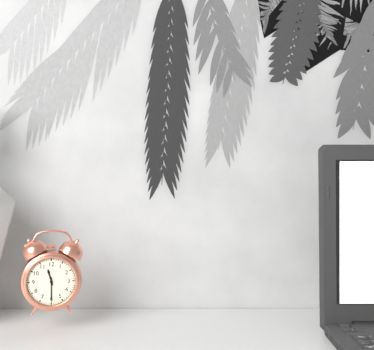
11:30
